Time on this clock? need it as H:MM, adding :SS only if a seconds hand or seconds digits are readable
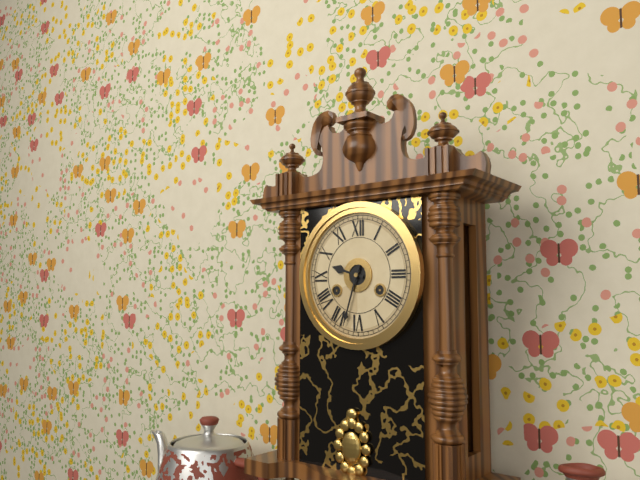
9:33
